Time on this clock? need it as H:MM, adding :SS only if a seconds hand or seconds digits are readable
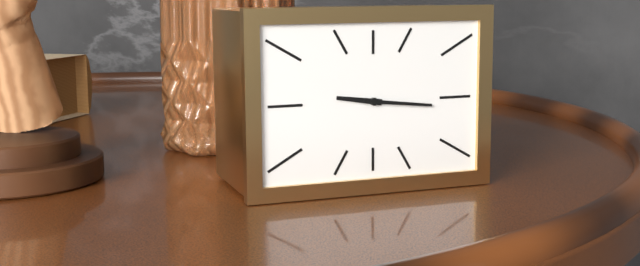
9:16
